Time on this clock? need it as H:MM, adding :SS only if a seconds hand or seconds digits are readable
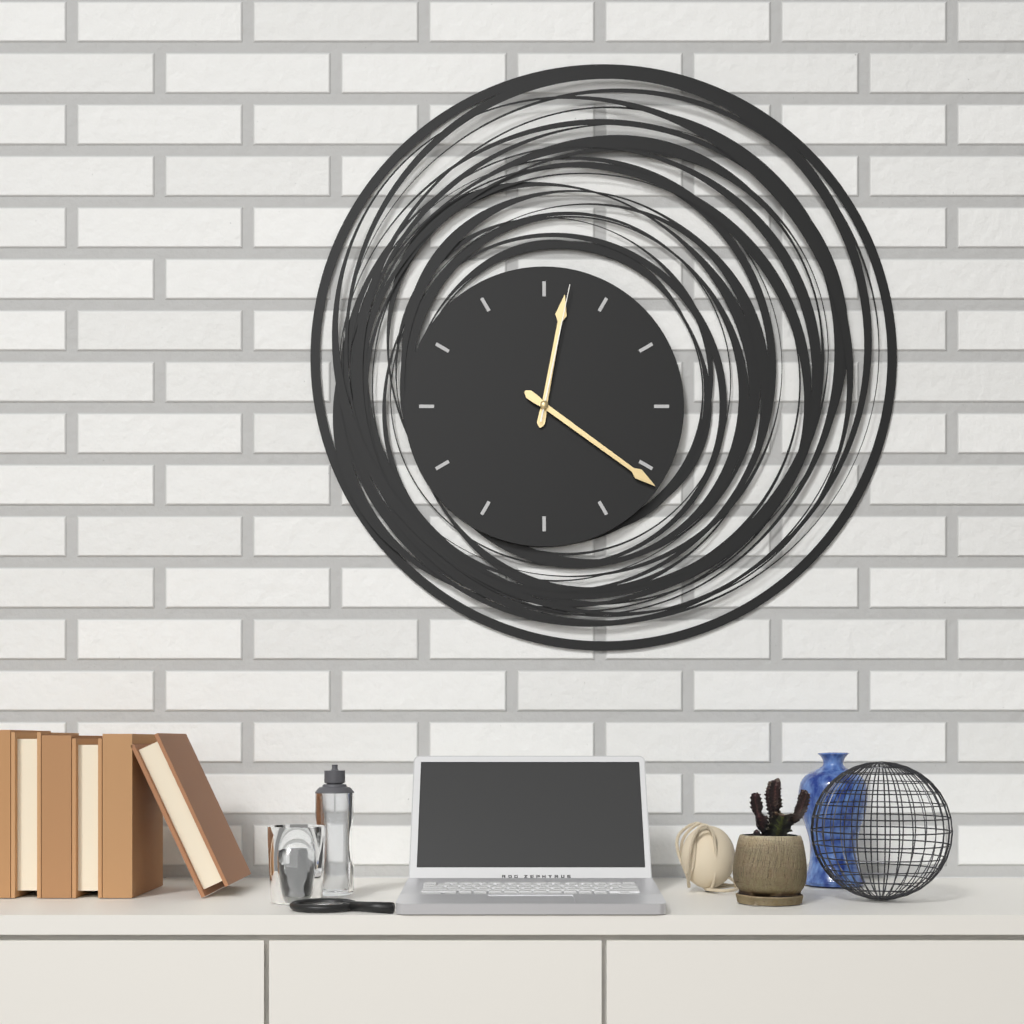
12:21:02
